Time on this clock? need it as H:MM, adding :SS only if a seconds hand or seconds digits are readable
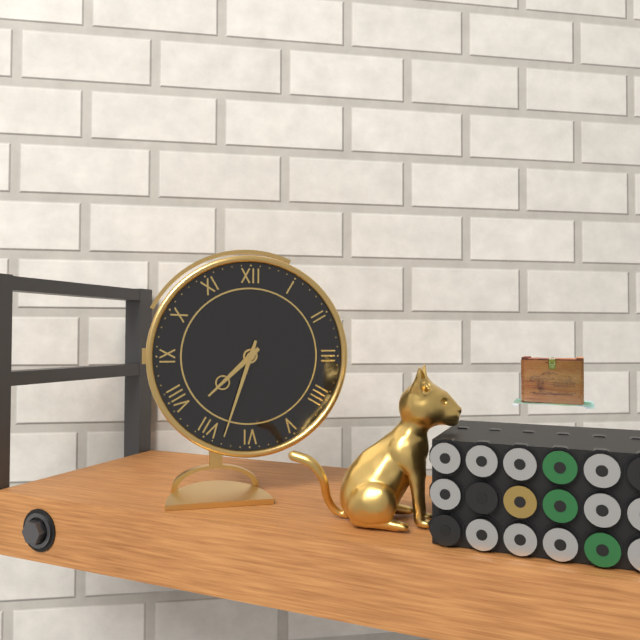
7:33
